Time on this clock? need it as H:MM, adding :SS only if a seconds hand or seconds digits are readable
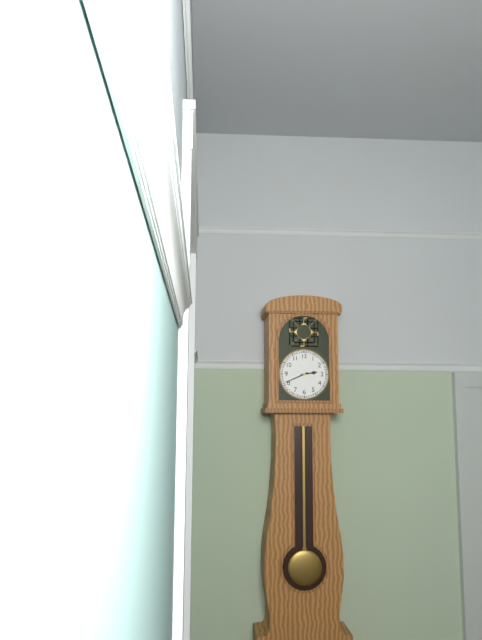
2:41
